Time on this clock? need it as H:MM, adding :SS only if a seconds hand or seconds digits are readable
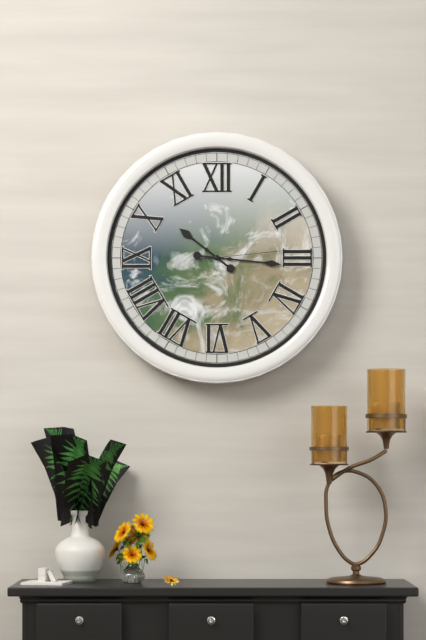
10:16:14
